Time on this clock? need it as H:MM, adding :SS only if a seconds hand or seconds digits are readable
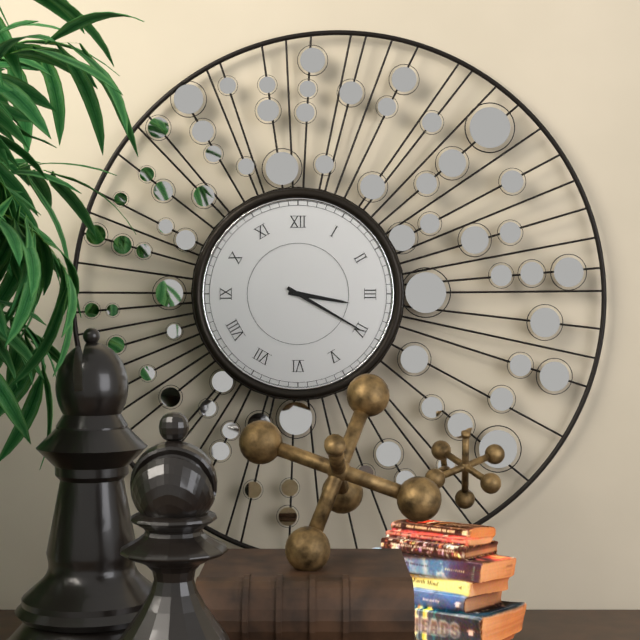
3:20
